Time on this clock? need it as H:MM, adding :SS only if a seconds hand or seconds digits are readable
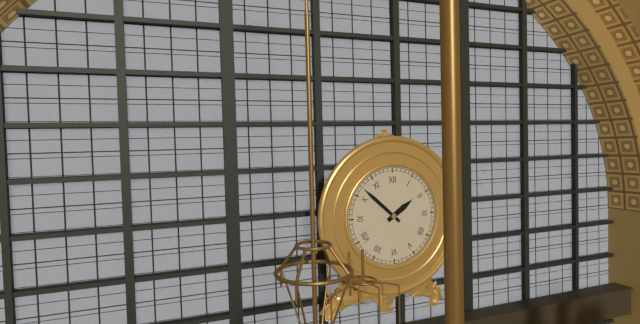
1:52
